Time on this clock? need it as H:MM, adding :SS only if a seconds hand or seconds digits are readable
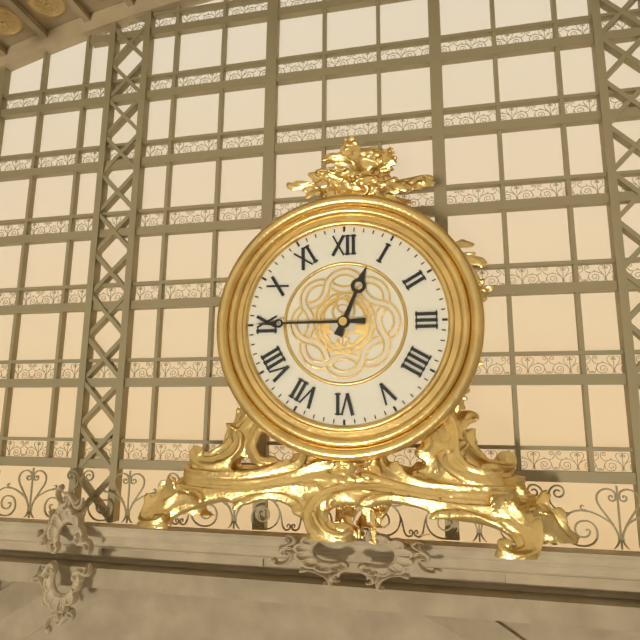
12:45
